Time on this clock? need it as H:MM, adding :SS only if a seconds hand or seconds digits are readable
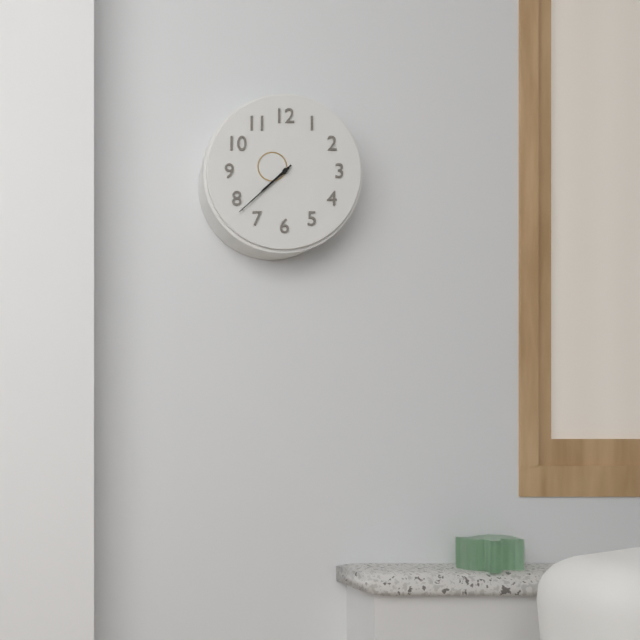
7:38
